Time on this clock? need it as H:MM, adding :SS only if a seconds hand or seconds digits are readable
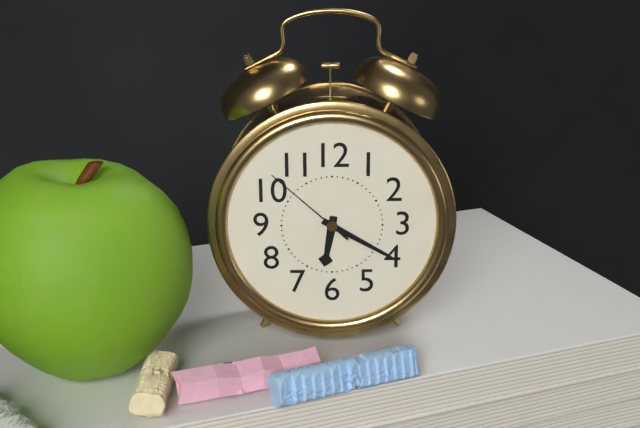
6:20:52
